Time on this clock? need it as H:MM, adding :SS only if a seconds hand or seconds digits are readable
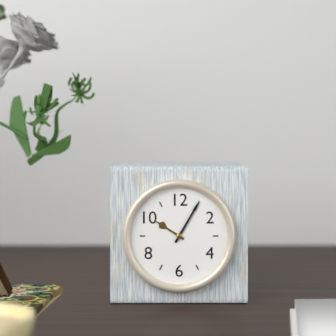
10:05
